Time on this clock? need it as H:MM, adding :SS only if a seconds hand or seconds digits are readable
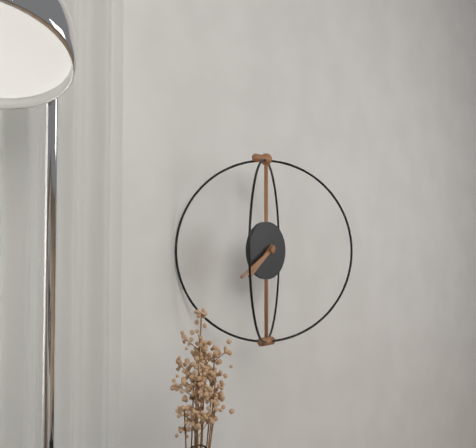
7:40
